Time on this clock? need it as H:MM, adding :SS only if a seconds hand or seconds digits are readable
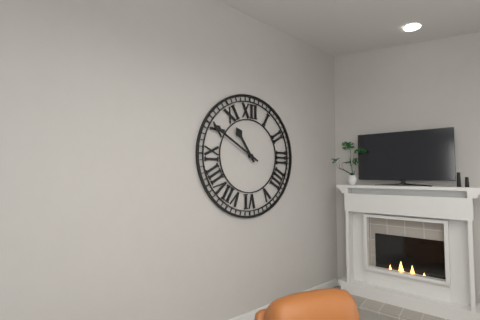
10:50
